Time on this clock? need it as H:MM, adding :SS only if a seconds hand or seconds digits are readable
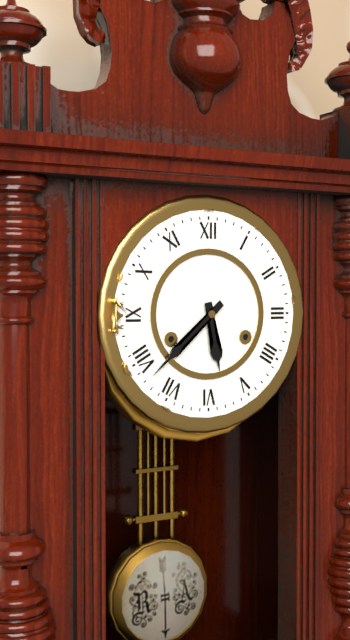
5:38
